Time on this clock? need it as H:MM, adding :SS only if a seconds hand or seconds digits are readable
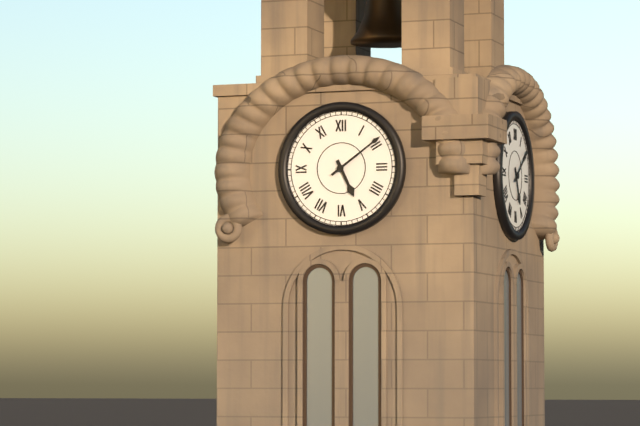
5:09
